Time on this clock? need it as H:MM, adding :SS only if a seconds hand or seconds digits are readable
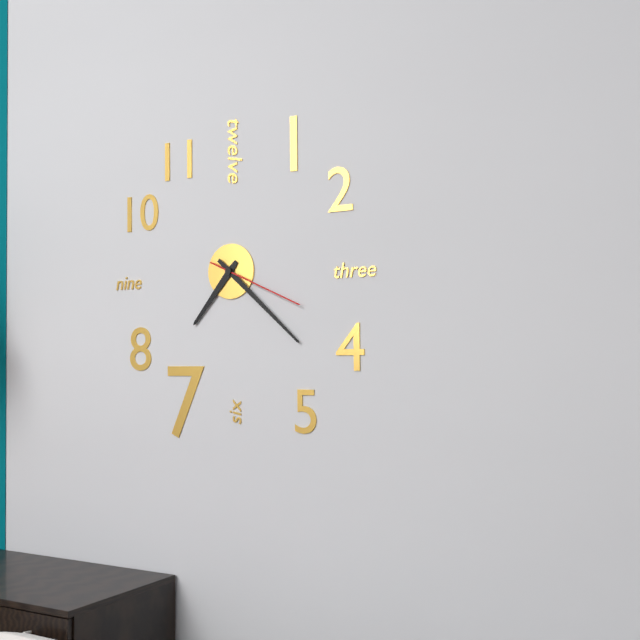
7:22:19
